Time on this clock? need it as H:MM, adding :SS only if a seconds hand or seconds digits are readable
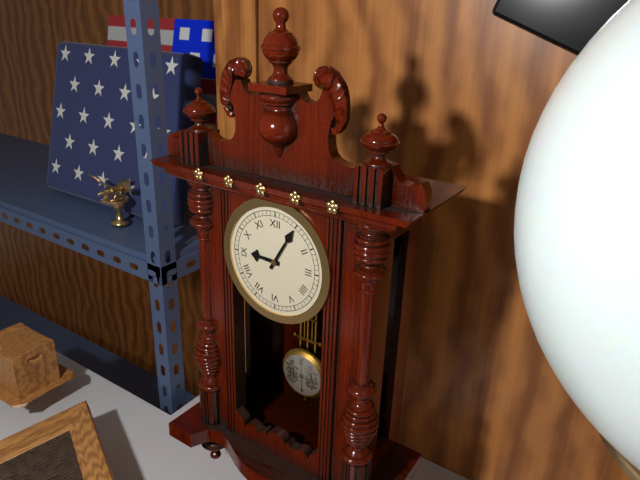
9:05
